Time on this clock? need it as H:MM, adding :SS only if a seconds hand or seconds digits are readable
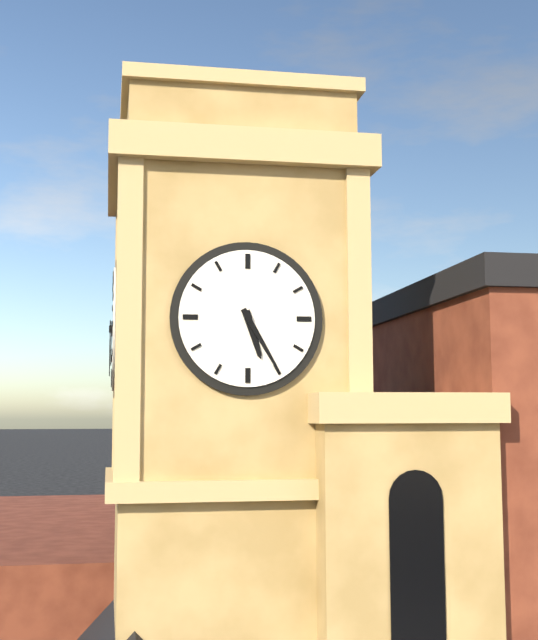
5:25
